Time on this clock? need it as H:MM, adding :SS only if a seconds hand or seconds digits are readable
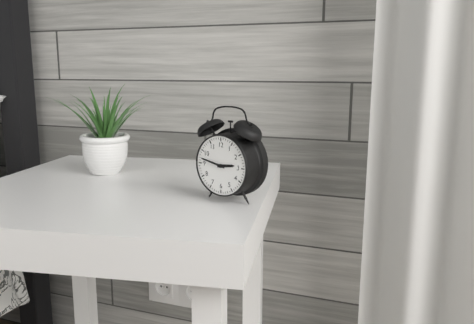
2:47
